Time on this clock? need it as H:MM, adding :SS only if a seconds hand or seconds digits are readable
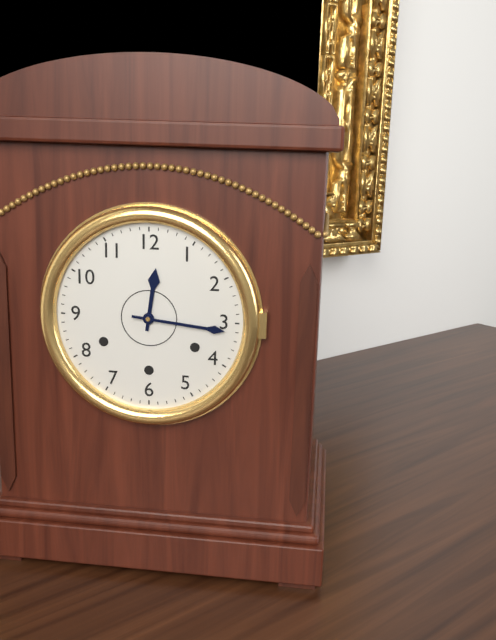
12:16
